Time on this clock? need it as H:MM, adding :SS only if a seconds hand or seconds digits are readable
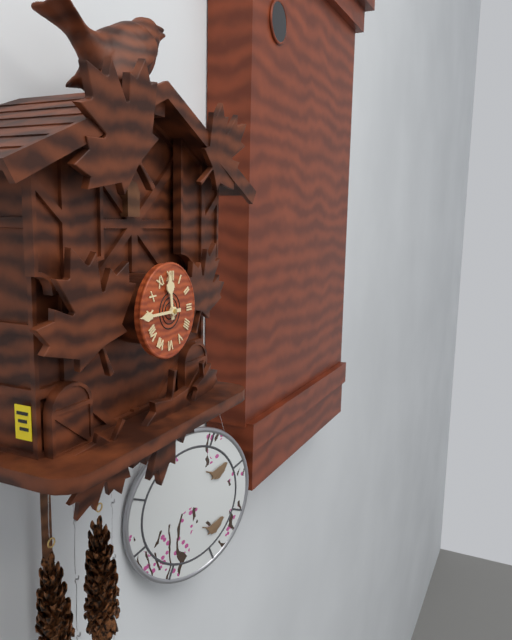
11:45
